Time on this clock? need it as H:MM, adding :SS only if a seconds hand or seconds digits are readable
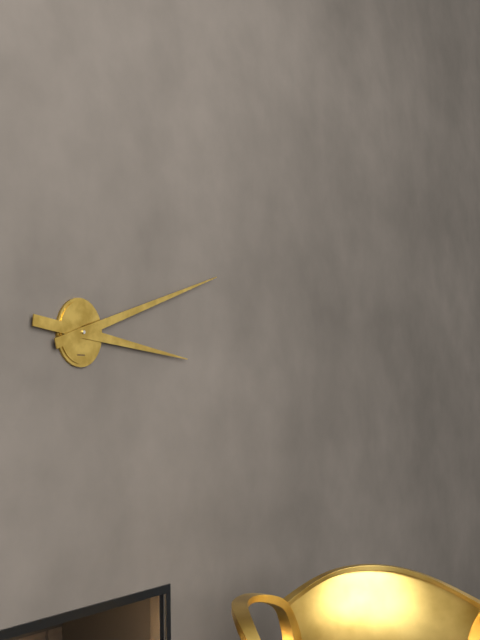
3:12
